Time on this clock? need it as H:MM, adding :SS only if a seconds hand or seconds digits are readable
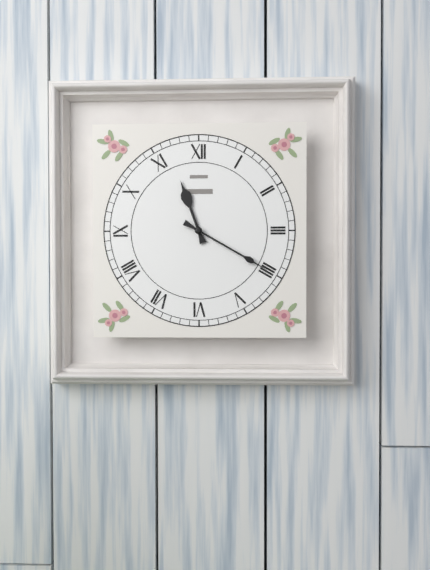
11:20
